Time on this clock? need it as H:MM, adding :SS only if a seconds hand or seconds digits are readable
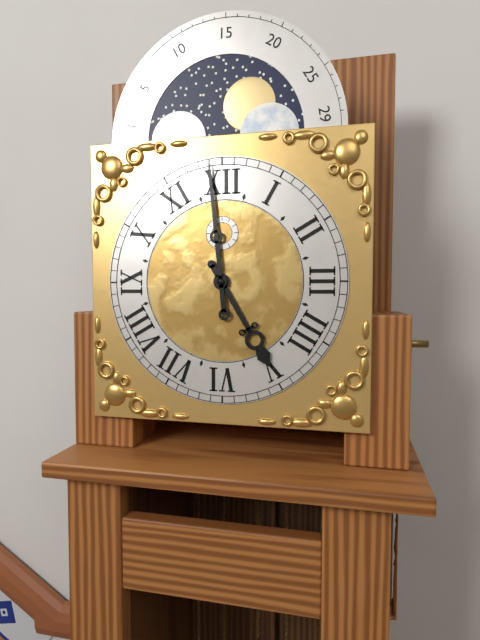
4:59
